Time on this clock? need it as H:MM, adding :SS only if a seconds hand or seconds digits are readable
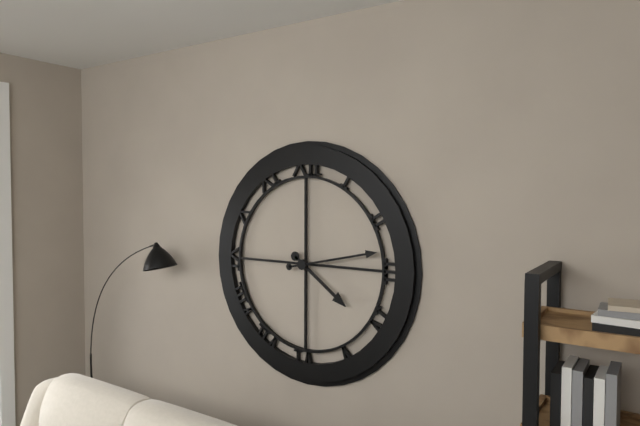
4:13
